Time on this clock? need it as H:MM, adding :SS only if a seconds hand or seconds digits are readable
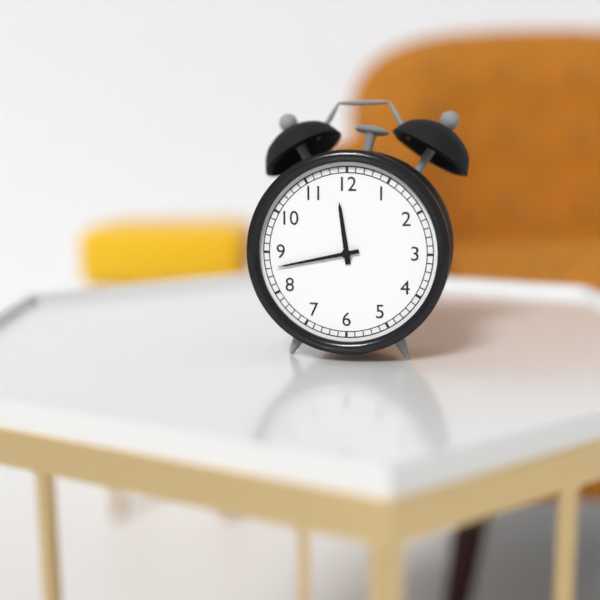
11:43
